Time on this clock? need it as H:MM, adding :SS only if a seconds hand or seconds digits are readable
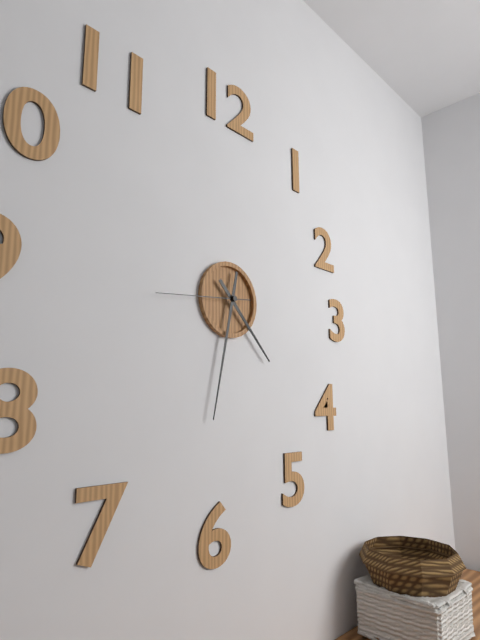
4:32:44
